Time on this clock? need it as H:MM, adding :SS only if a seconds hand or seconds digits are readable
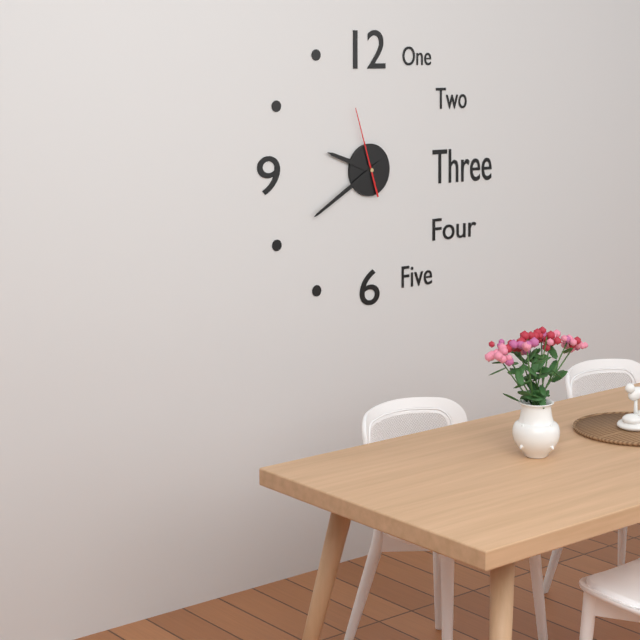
9:40:57
